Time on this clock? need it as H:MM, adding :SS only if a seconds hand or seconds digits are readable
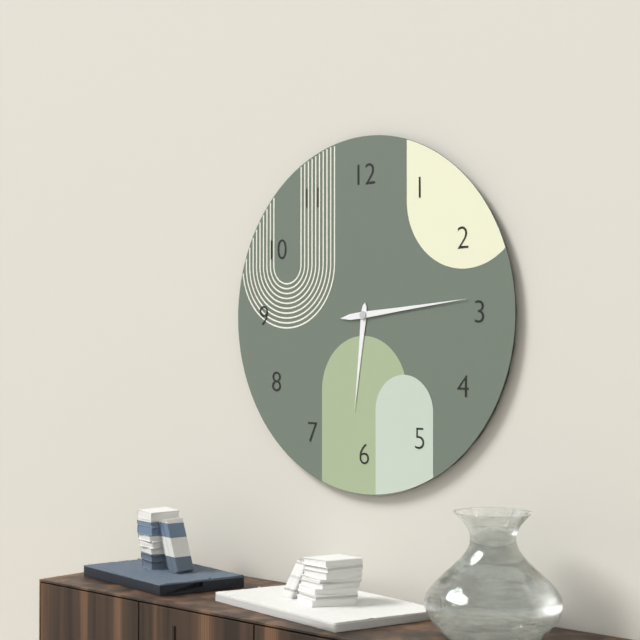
6:14
